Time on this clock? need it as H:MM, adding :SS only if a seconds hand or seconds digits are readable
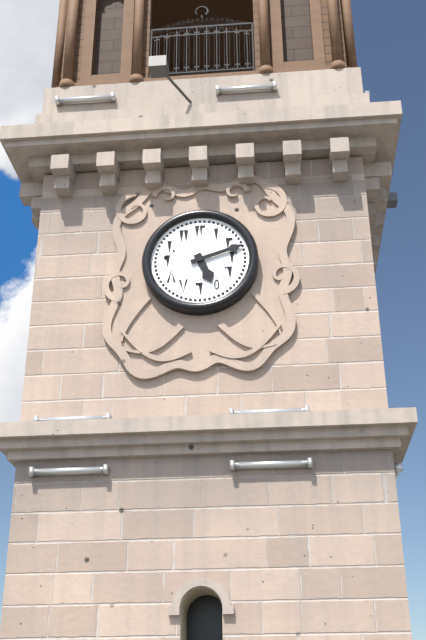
5:12
